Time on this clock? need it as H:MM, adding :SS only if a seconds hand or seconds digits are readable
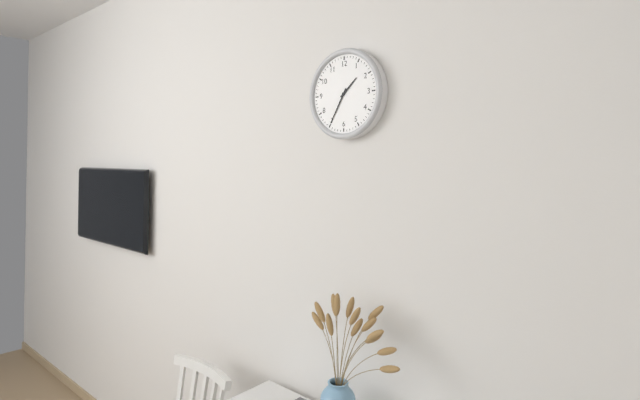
1:35
